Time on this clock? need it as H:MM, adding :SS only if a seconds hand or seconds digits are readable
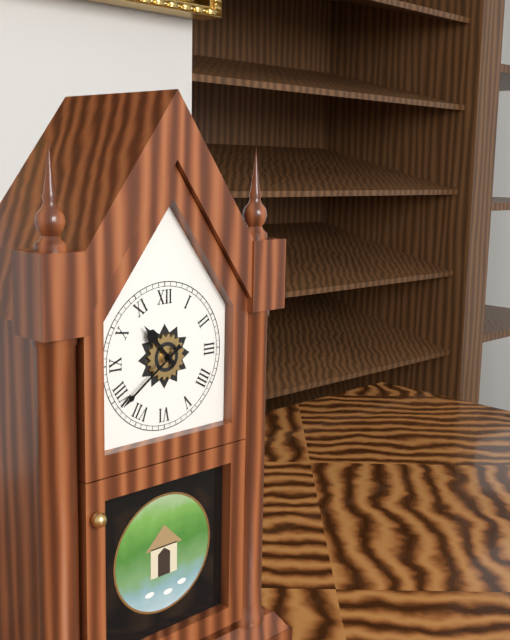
10:39
